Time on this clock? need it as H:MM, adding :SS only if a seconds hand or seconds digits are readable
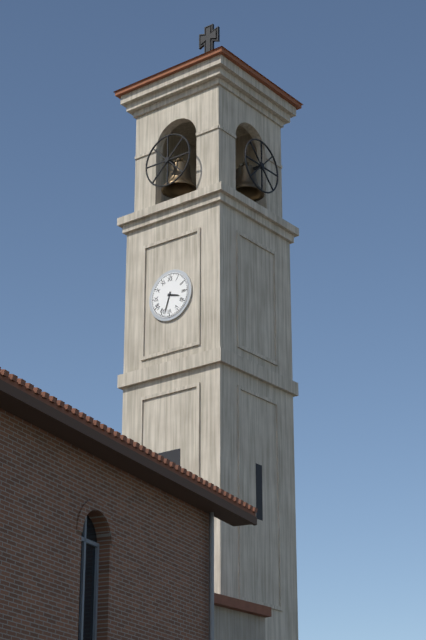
3:33
